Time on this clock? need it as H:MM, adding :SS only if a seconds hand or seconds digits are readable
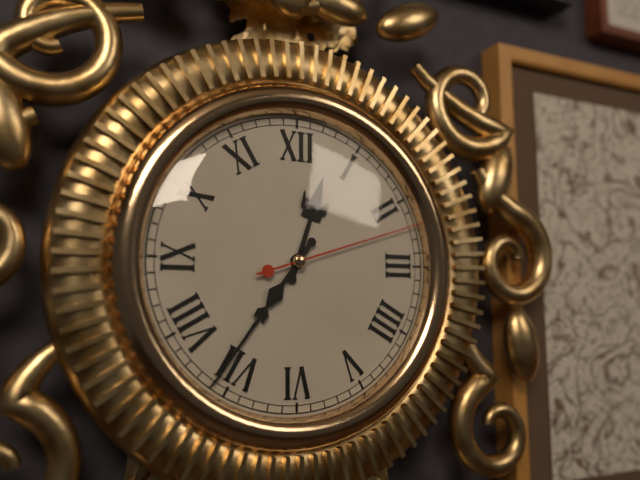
12:36:12
